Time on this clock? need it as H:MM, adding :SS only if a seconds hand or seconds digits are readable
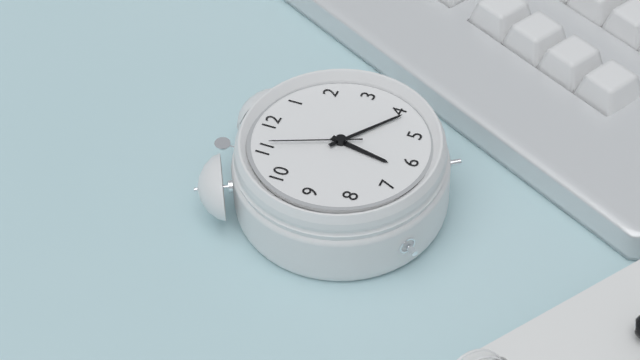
6:21:56
